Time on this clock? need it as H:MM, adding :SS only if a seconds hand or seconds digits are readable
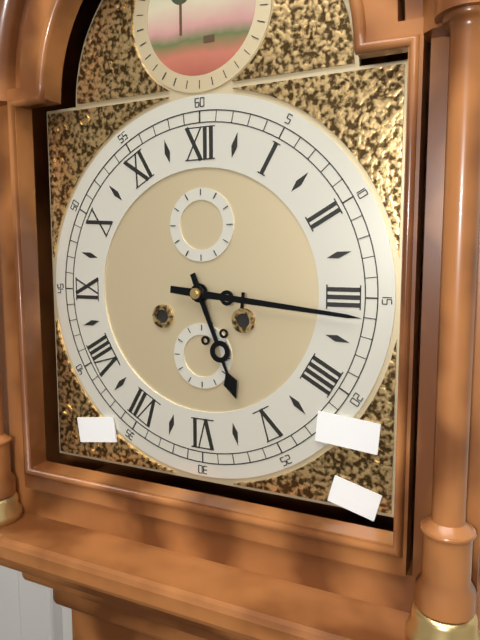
5:16
